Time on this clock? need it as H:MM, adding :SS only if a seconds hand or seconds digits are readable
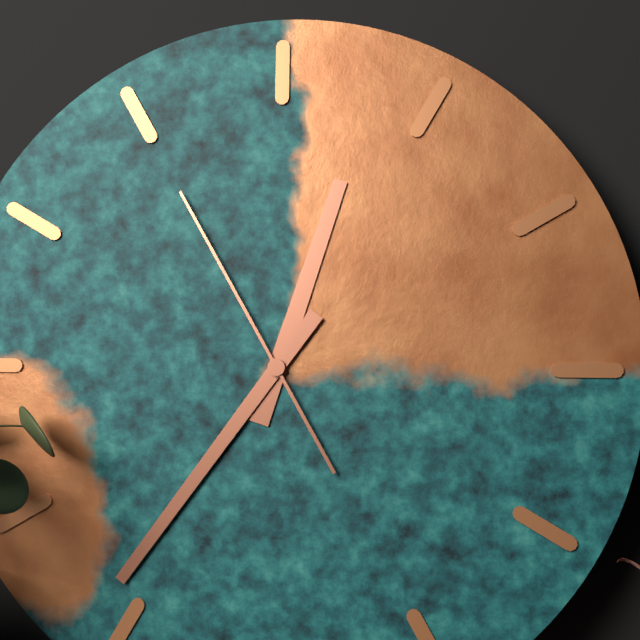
12:36:55
